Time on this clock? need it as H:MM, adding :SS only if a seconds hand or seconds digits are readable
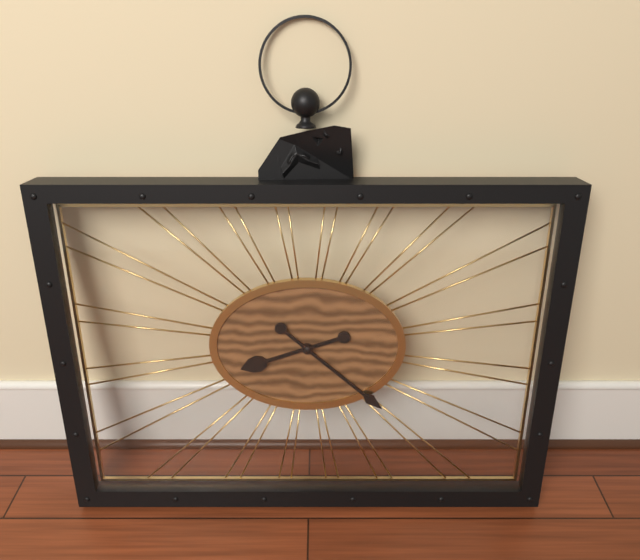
8:22
